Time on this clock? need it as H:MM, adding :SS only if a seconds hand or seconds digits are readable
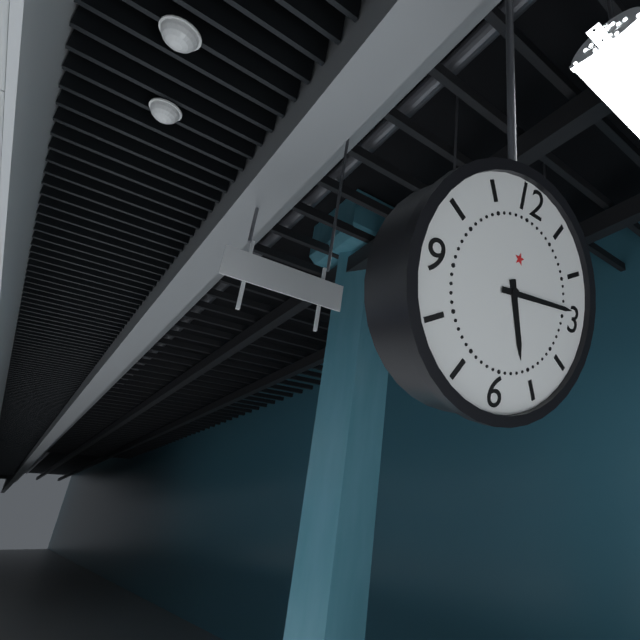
5:14
